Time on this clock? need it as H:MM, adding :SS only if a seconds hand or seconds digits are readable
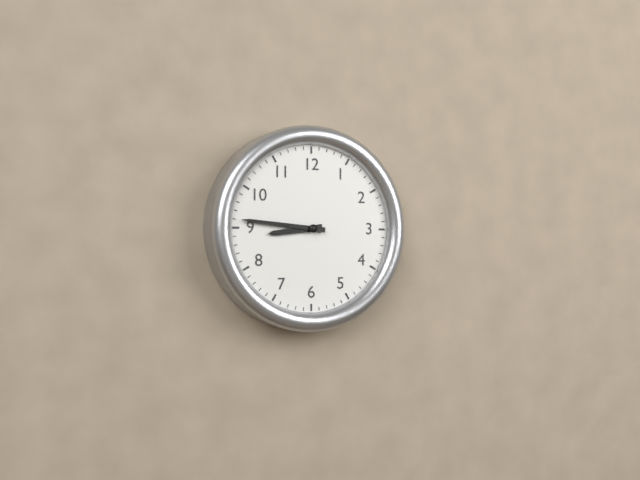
8:46
